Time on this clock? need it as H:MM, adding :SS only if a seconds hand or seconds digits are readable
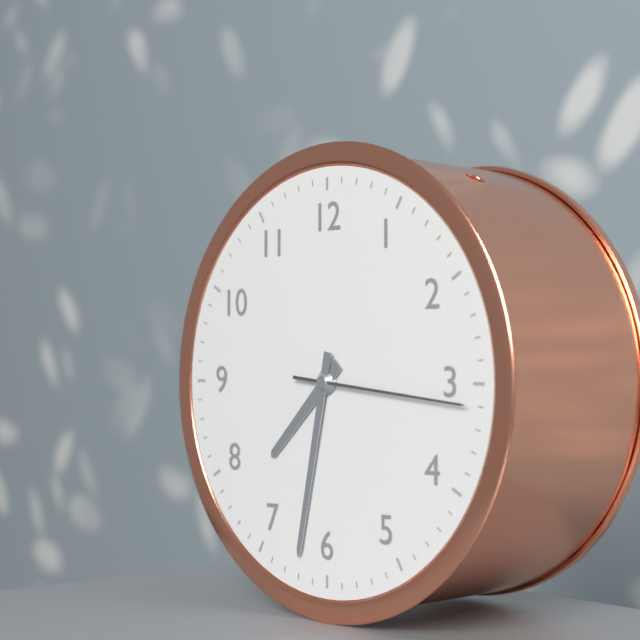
7:32:16
